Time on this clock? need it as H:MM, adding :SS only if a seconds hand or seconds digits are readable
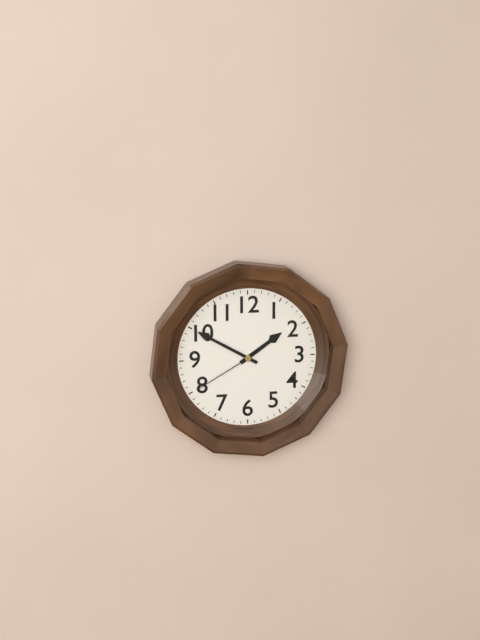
1:50:40
